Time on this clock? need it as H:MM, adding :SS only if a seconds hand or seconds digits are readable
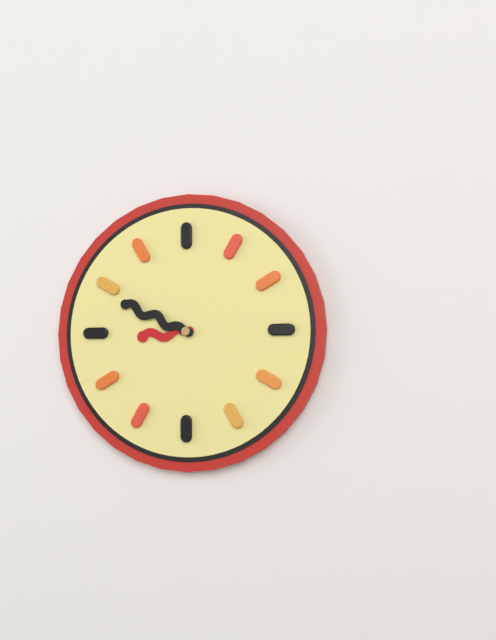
8:49
